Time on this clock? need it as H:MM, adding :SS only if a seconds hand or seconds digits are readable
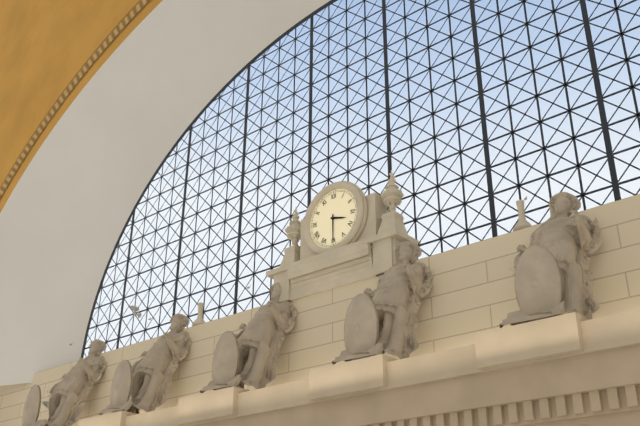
3:30
